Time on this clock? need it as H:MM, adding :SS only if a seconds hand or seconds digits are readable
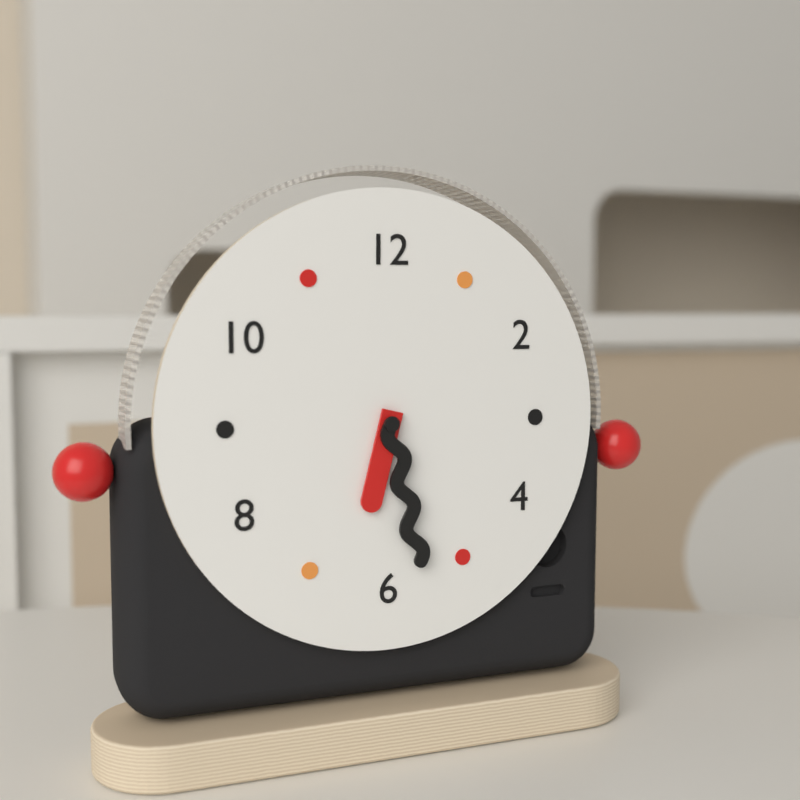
6:28
